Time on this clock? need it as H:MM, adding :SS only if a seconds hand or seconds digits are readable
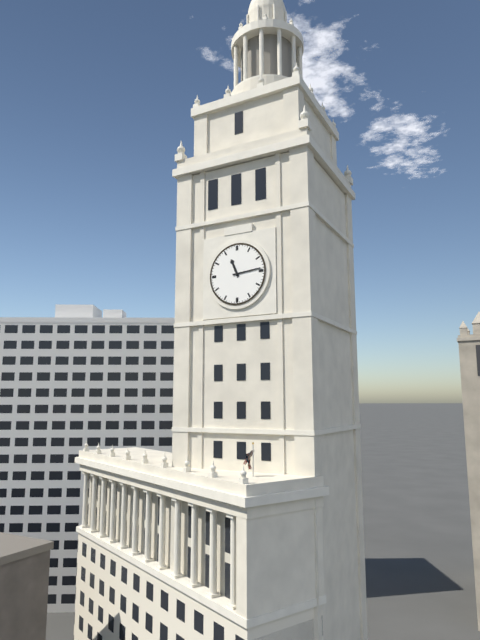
11:14
